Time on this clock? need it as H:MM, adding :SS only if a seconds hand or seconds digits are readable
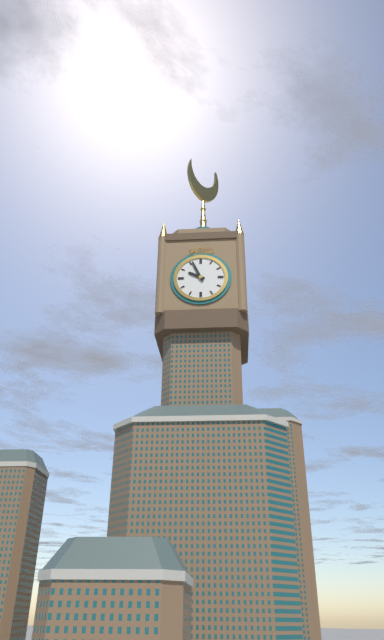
9:56
